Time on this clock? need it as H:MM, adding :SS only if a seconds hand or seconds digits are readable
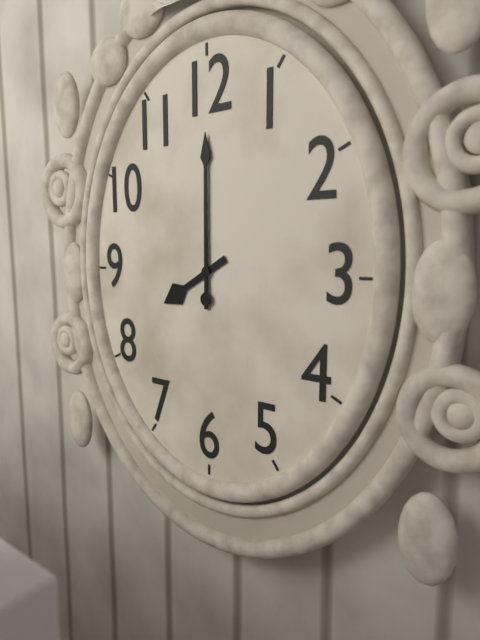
8:00
